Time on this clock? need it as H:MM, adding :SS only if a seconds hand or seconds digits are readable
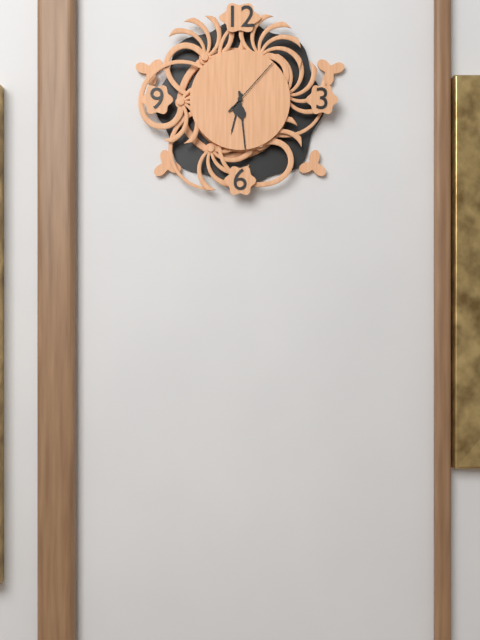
6:29:07
